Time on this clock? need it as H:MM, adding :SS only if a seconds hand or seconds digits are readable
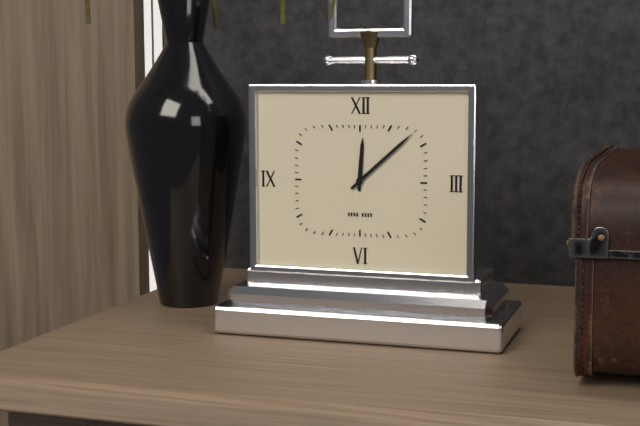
12:08
